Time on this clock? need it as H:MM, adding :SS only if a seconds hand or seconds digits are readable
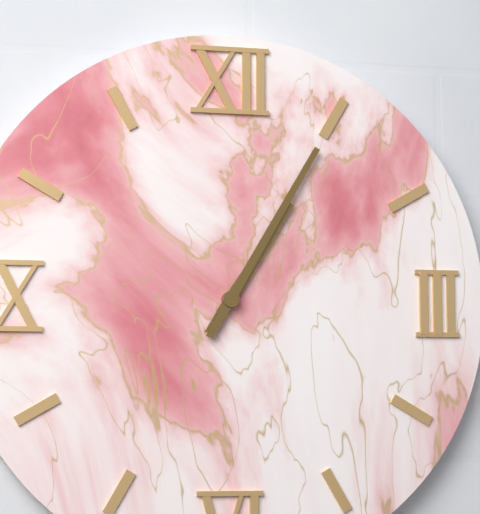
1:05
